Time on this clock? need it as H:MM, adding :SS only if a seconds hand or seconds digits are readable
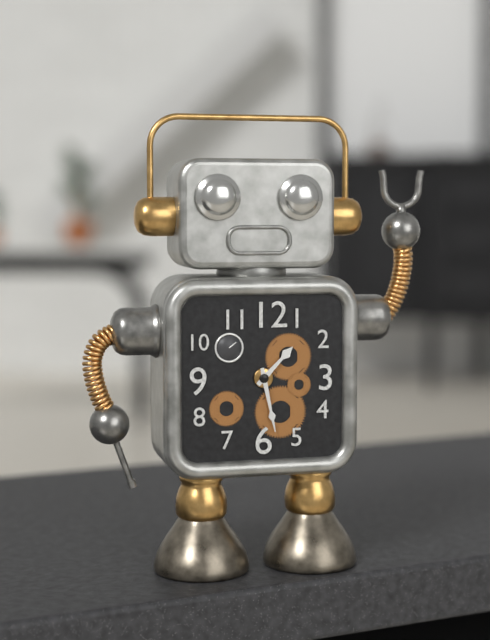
1:28
